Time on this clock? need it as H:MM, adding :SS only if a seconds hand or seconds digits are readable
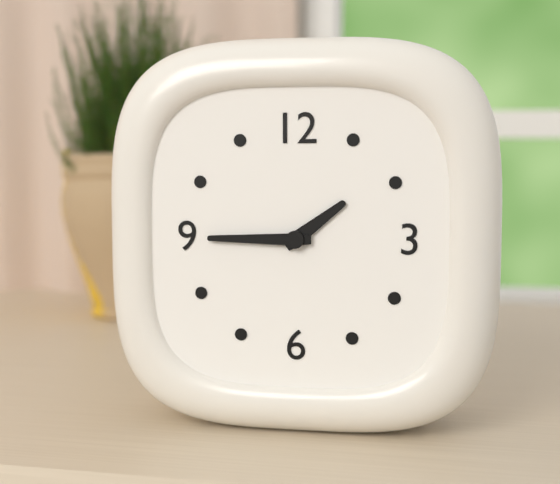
1:45
